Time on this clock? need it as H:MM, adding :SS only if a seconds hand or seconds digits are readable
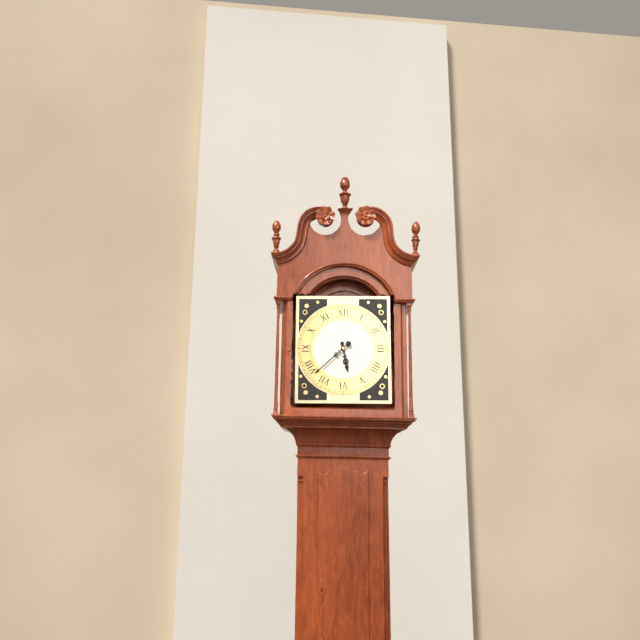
5:38
